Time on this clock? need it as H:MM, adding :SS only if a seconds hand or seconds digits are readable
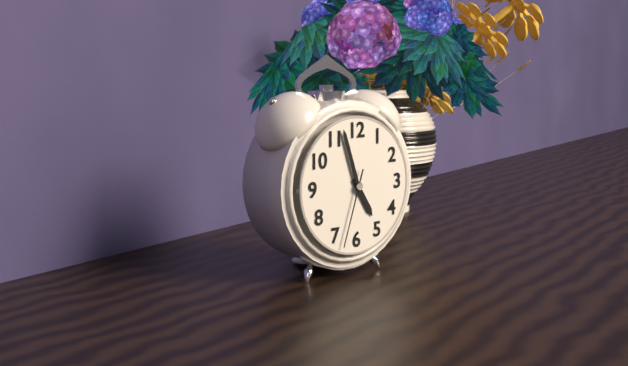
4:57:33
